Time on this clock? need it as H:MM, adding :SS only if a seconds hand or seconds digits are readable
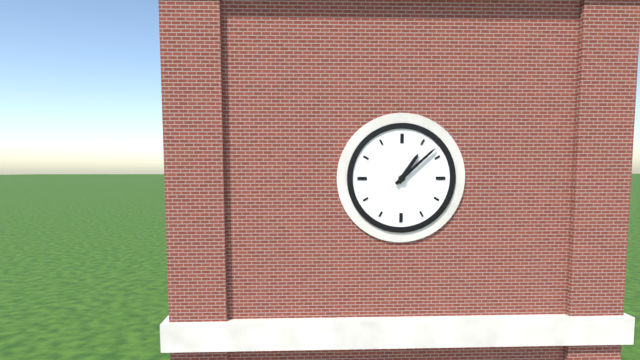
1:08
